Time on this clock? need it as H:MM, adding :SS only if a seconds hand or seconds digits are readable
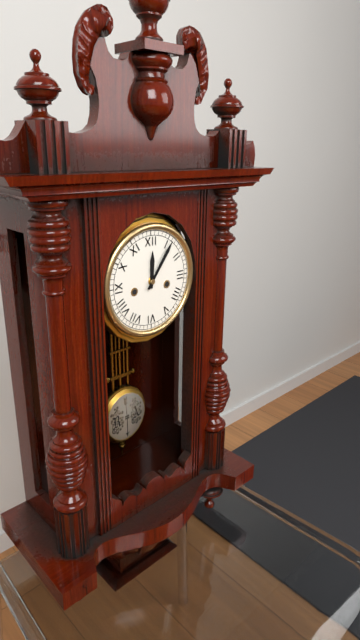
12:06
